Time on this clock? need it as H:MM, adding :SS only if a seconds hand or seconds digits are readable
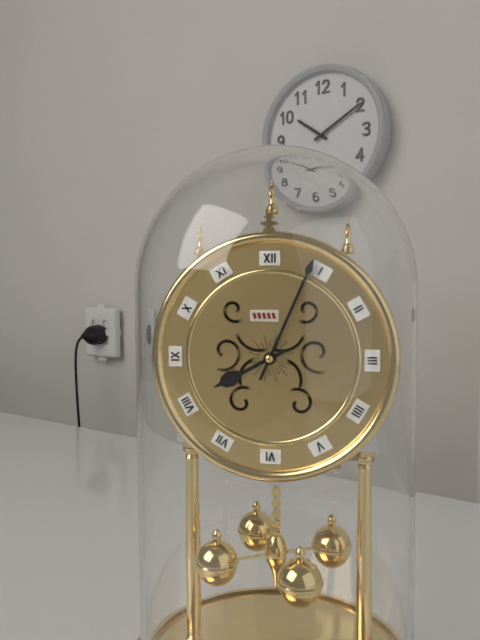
8:04
